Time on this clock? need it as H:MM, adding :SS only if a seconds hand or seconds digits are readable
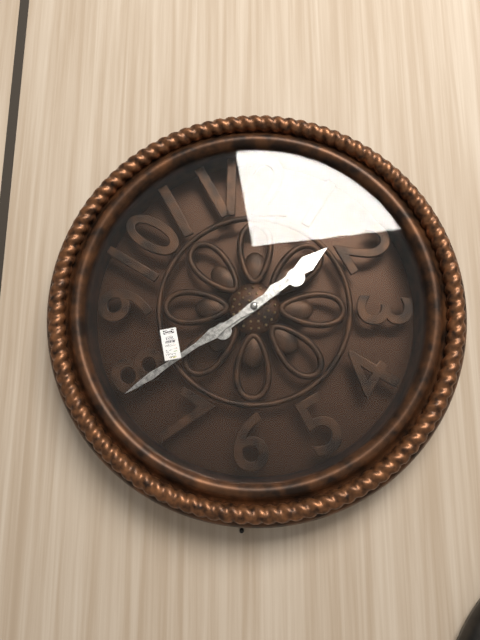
1:39
